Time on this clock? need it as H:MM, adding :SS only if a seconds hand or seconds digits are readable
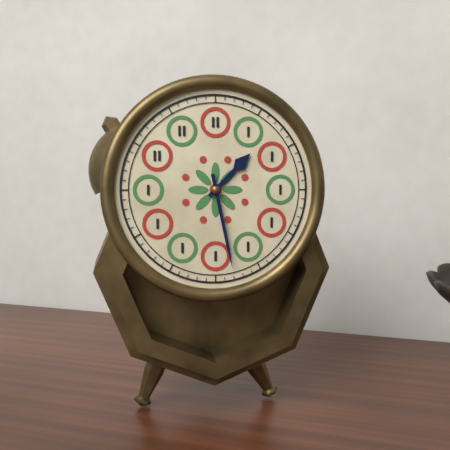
1:28
